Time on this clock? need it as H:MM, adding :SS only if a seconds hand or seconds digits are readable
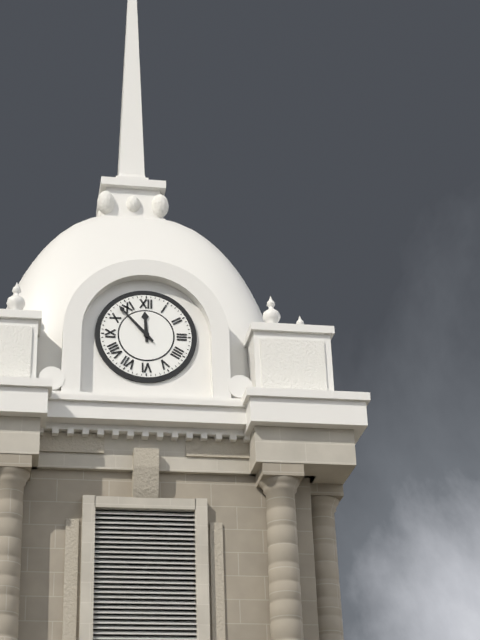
11:53
